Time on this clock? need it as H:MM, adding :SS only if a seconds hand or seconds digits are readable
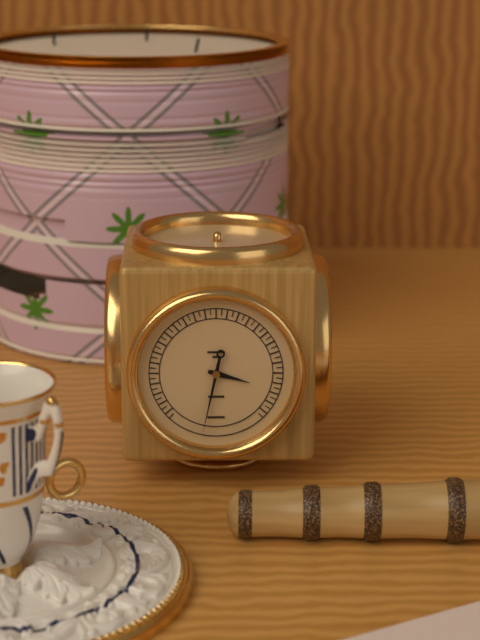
3:32
